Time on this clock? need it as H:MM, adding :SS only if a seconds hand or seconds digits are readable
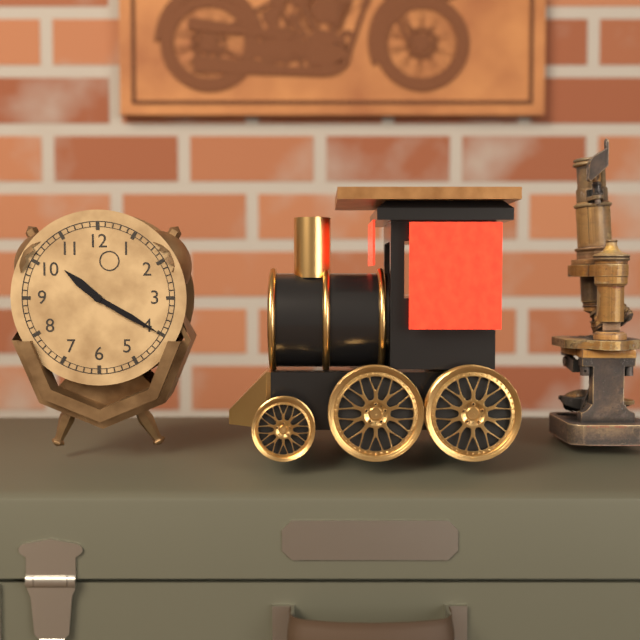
10:20
